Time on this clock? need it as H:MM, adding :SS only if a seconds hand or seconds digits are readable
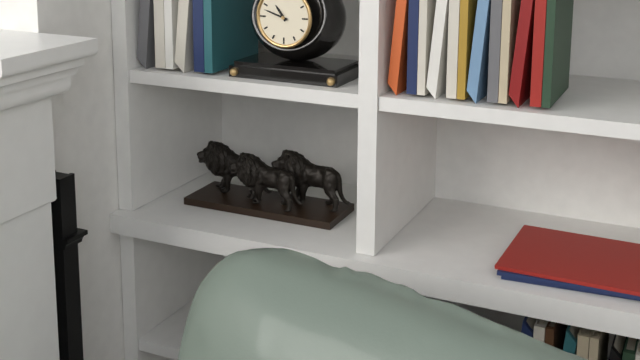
10:48
